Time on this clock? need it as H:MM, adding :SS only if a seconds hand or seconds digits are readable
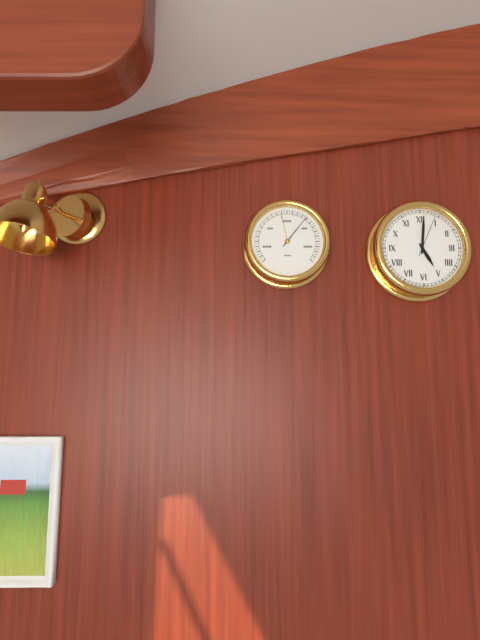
5:01
